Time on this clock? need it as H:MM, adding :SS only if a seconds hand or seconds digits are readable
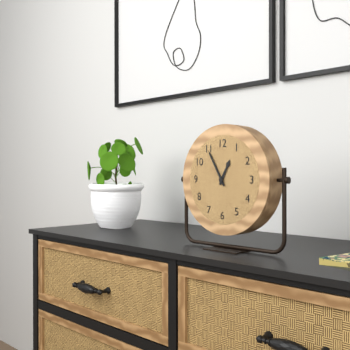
12:55
